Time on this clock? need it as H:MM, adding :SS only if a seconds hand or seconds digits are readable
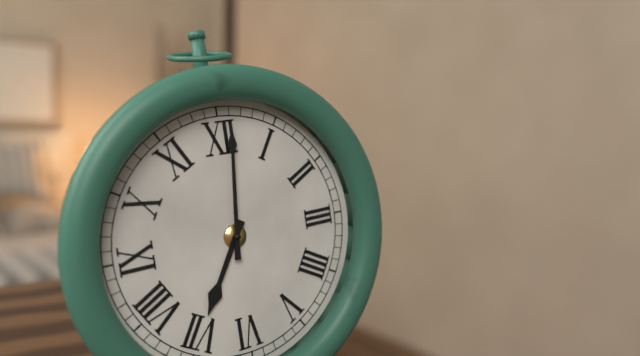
7:01
